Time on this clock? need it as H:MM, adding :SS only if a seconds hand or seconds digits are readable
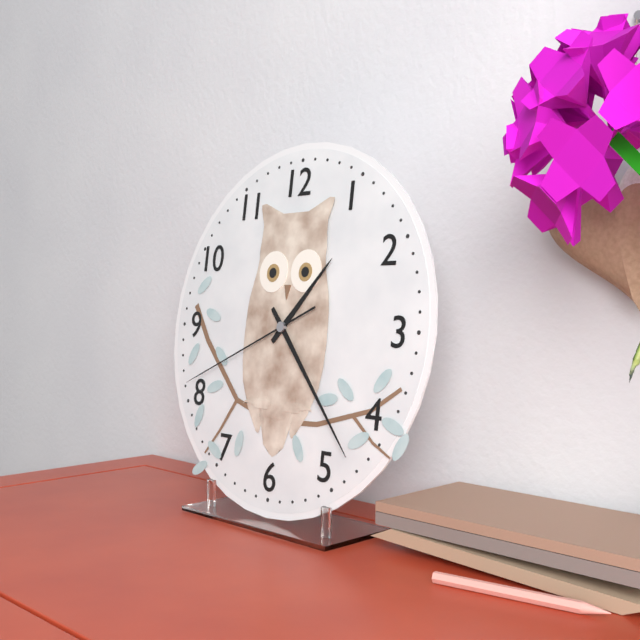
1:23:41
